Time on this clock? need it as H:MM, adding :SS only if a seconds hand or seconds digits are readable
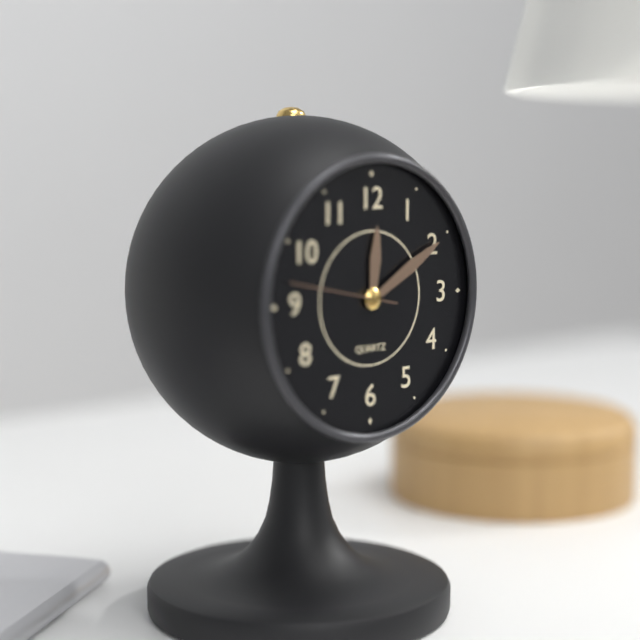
12:10
